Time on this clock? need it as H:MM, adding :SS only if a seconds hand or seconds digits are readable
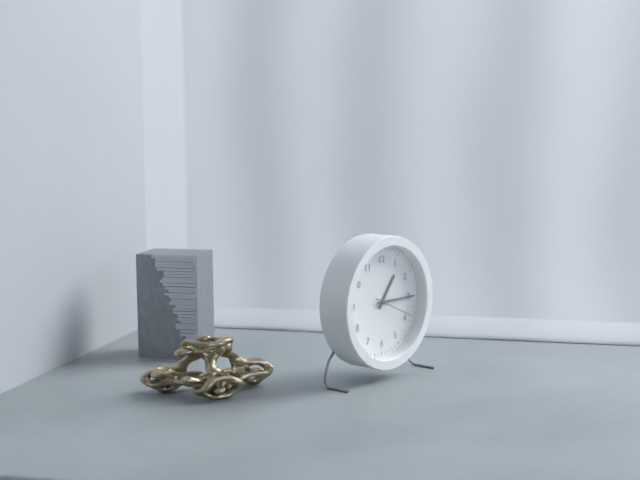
1:15
